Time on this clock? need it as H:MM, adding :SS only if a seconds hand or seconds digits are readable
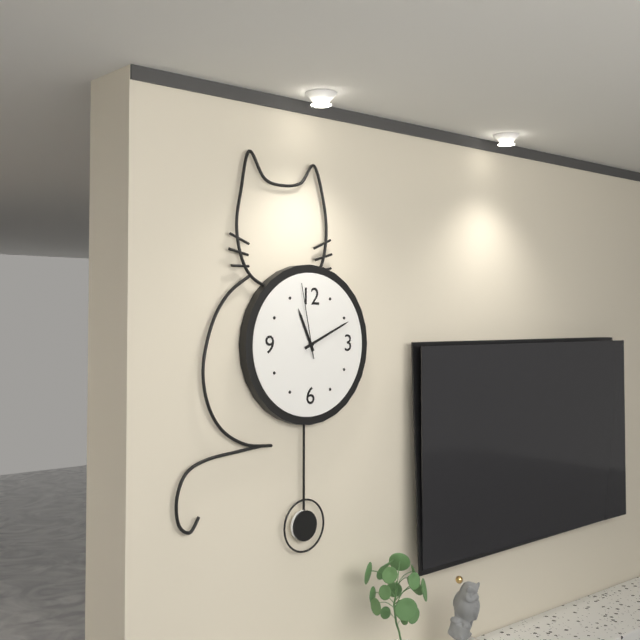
11:11:58
